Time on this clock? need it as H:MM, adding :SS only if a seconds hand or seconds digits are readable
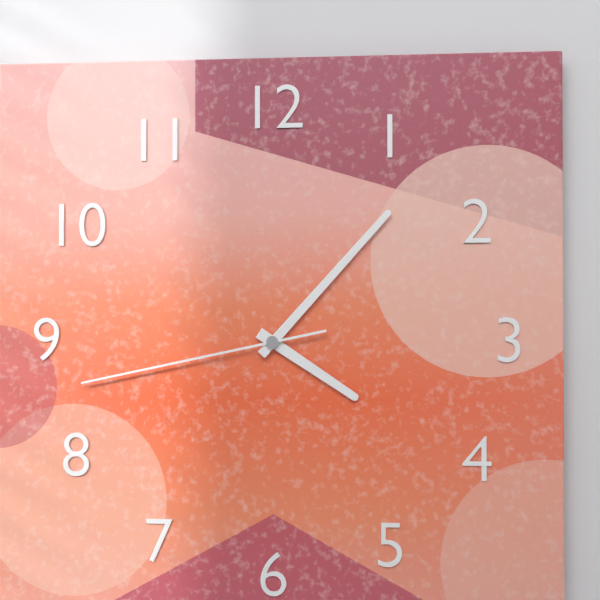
4:07:43
